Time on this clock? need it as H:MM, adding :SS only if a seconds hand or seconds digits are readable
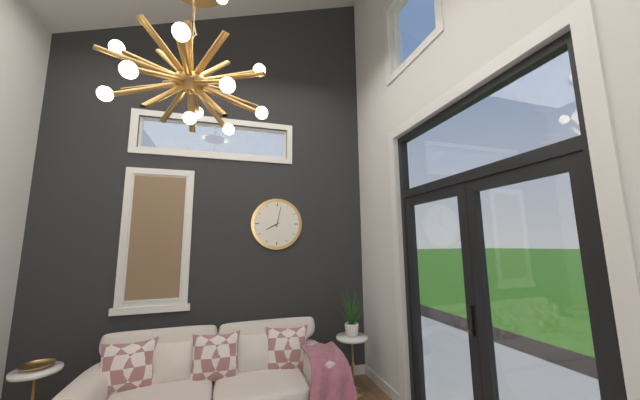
8:02
